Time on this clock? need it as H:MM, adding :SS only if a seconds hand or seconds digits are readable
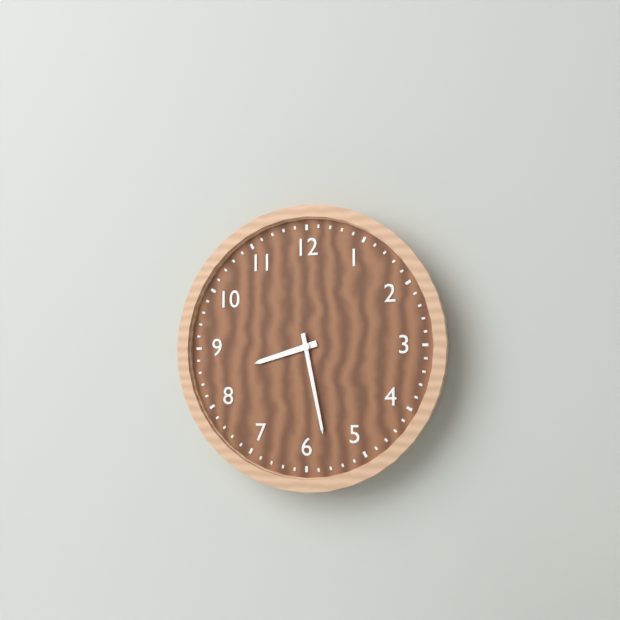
8:28
